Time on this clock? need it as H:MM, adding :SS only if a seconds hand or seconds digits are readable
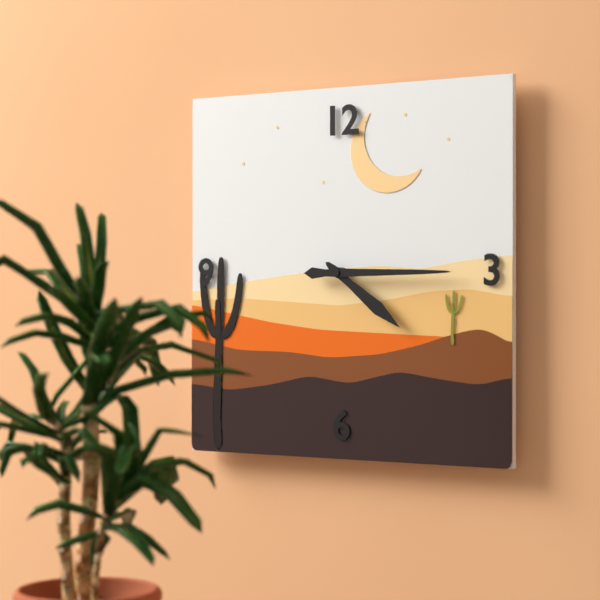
4:15
